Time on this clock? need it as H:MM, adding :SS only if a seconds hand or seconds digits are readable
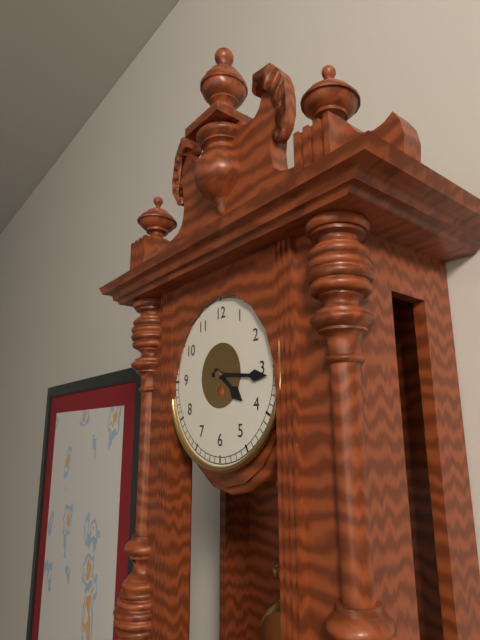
4:16
